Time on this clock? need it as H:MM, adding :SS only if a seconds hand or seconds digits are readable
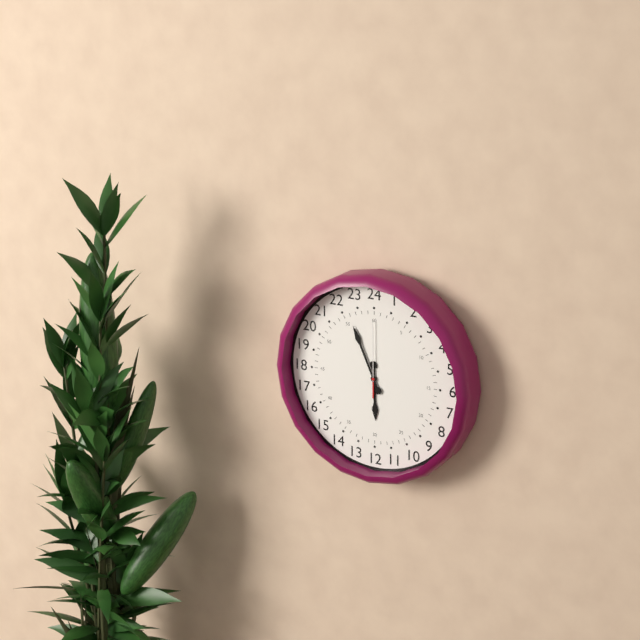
5:56:00
